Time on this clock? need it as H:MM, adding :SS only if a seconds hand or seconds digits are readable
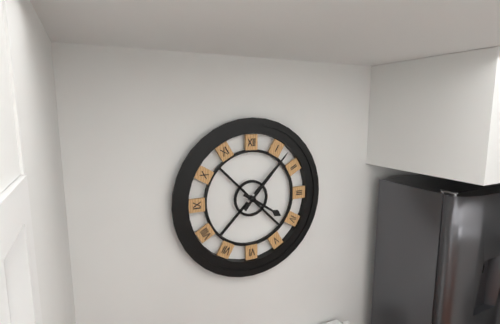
4:07
